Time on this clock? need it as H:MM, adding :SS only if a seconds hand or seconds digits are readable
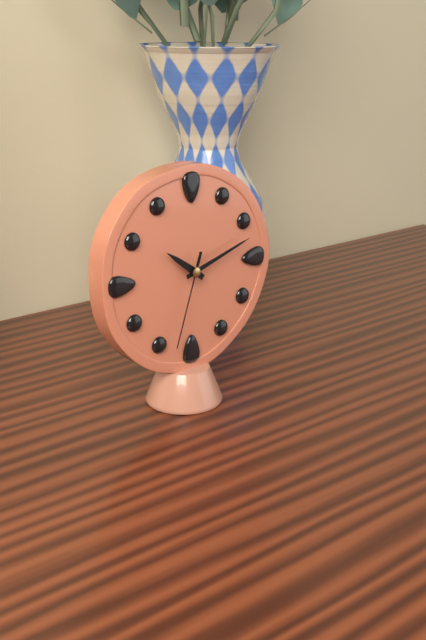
10:12:33
